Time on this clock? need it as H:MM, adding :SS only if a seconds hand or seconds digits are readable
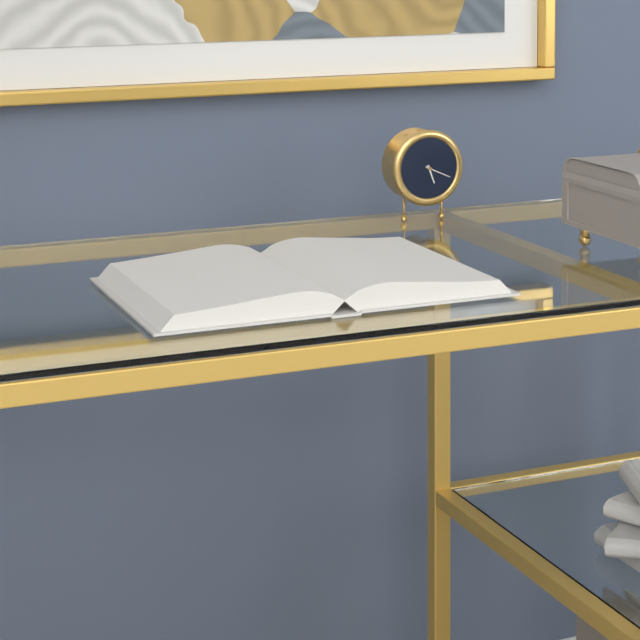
5:19
